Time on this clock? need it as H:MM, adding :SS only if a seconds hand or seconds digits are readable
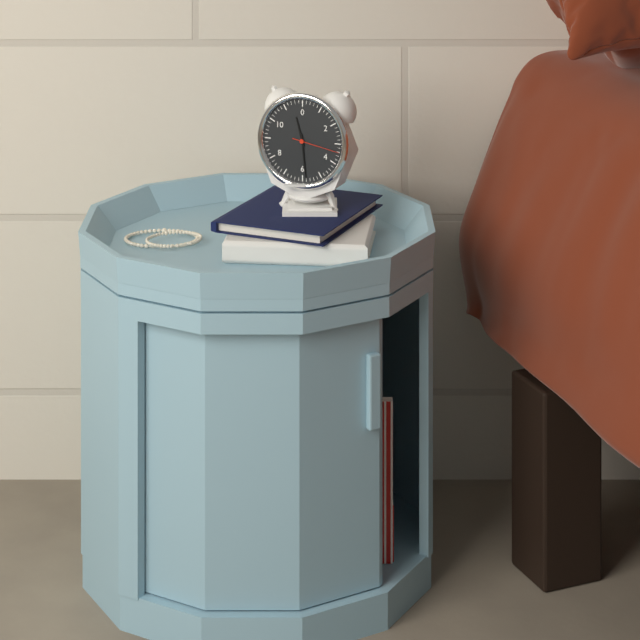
11:29
